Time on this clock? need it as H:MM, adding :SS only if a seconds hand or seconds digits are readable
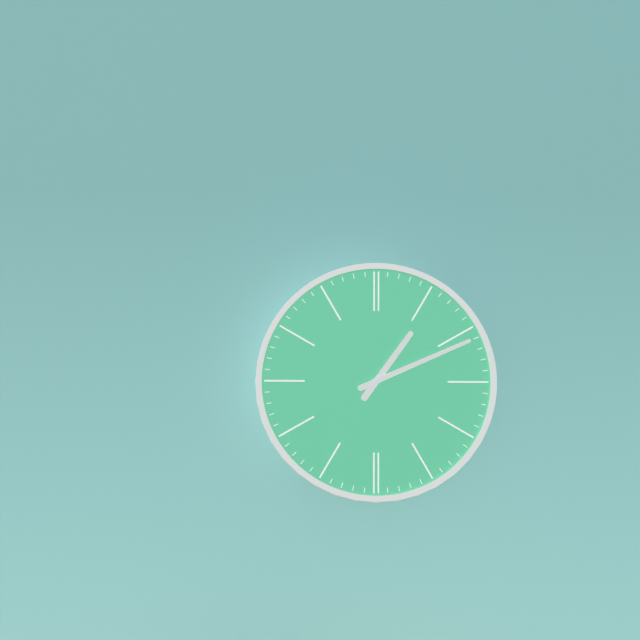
1:11
